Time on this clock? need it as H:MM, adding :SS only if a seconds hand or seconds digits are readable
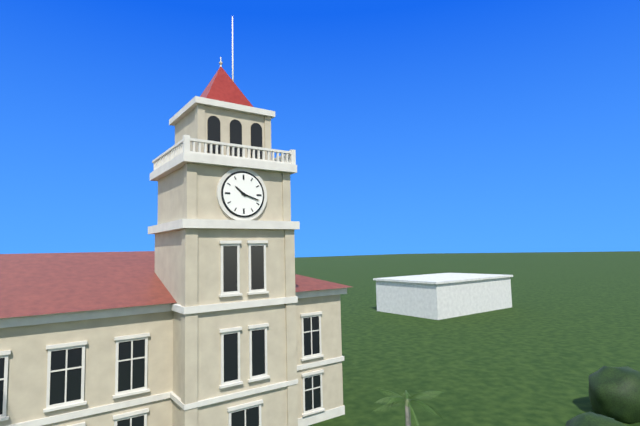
10:18
